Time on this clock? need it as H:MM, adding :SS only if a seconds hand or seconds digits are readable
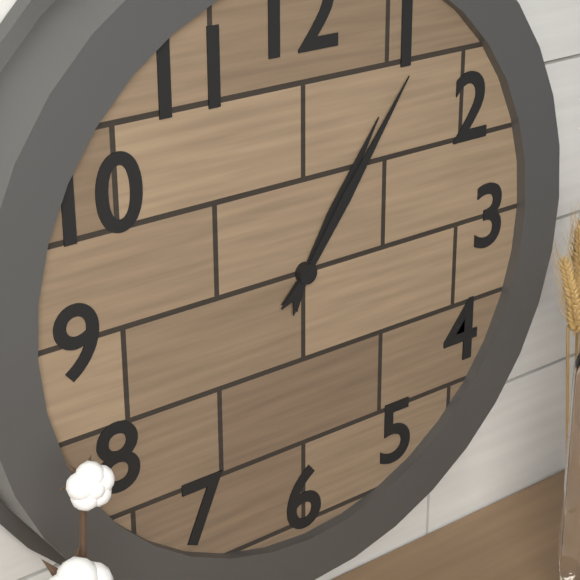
1:06
